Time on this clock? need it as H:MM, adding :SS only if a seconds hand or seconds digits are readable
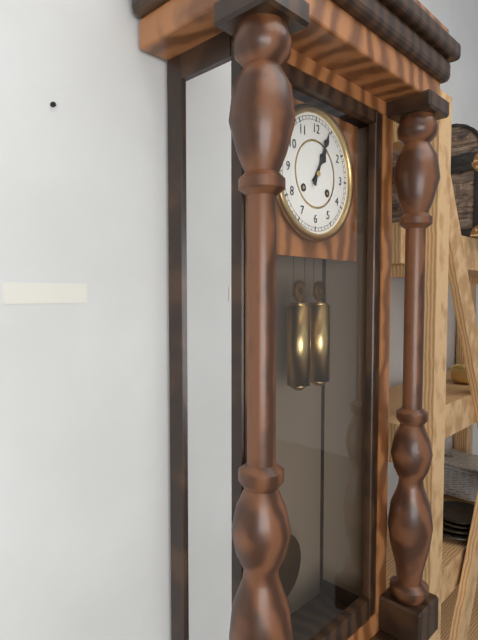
1:04
